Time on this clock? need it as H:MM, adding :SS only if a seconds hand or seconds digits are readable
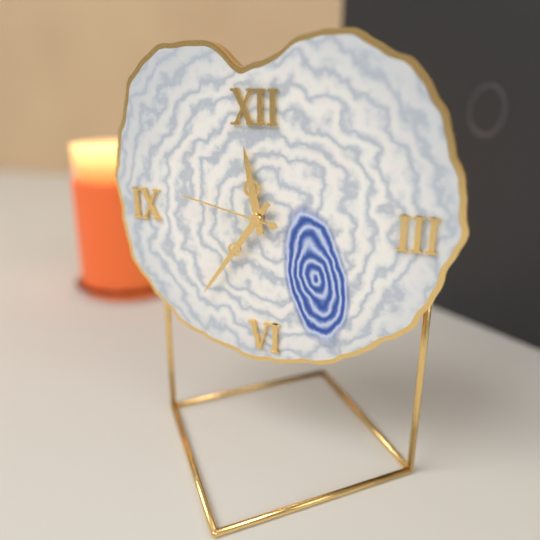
11:36:47
